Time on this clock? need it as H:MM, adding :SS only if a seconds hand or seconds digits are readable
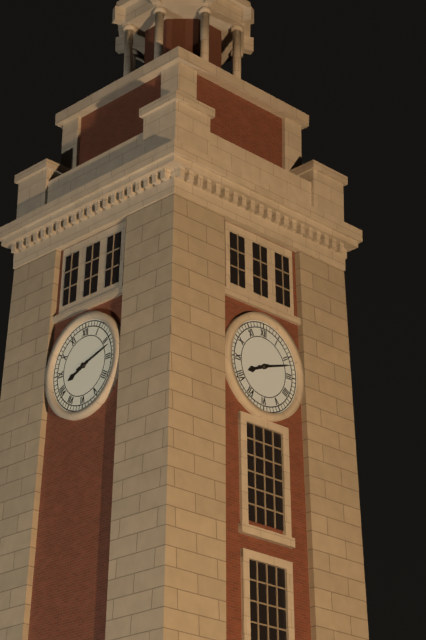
8:12
